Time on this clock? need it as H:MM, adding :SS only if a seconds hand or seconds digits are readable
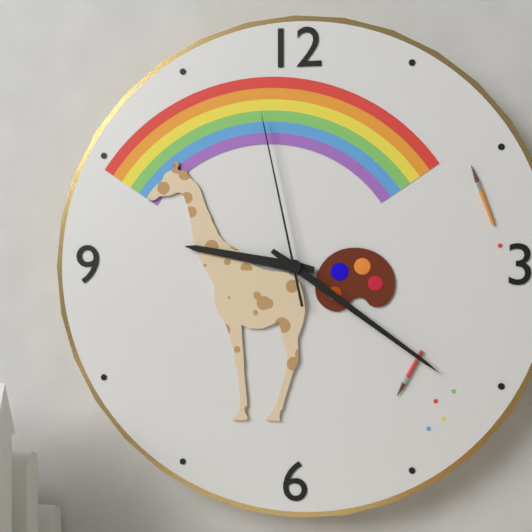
9:21:58
